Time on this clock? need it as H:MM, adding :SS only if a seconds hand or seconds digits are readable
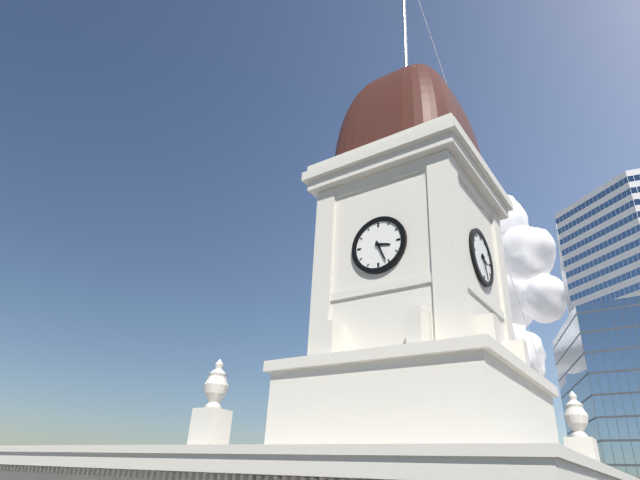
3:26
